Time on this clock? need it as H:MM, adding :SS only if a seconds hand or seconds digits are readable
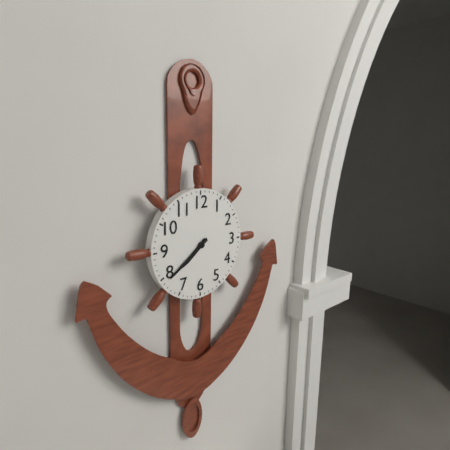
7:39
